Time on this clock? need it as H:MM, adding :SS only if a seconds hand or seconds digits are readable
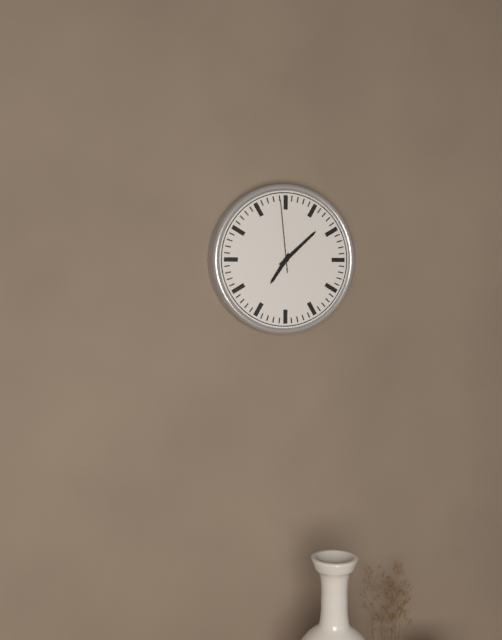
7:08:59
